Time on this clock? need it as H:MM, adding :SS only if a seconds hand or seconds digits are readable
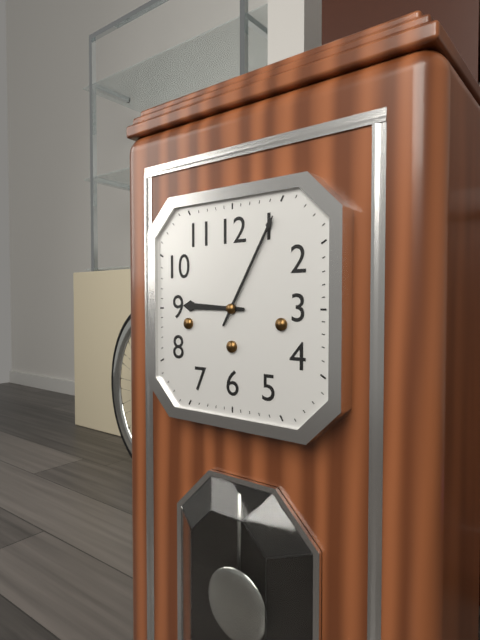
9:05
